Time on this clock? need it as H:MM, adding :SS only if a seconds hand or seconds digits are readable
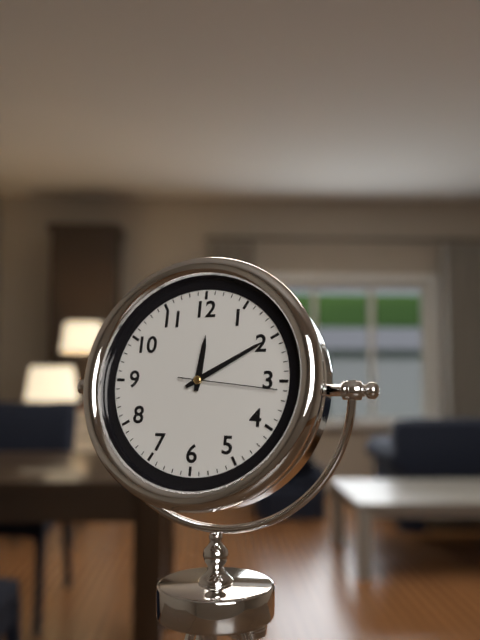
12:10:16
